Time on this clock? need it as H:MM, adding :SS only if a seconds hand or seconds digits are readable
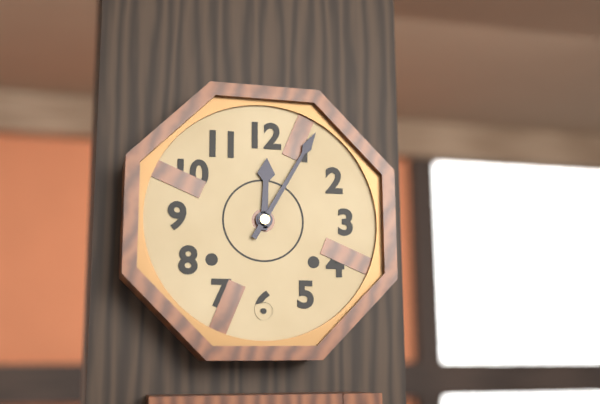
12:05
